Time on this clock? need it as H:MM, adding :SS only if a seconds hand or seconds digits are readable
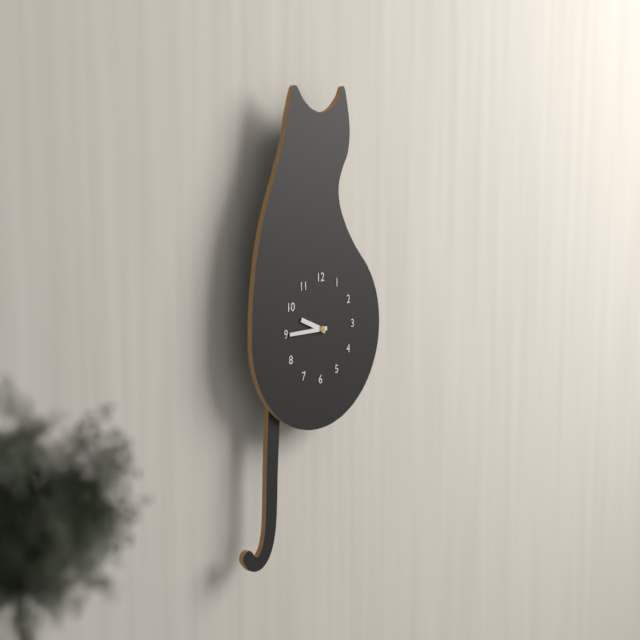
9:45
